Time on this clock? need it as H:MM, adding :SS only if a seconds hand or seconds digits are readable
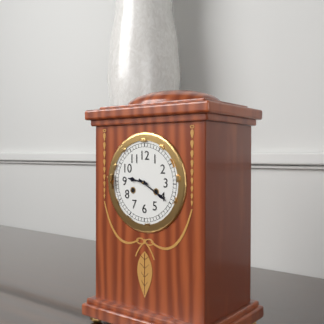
9:20
